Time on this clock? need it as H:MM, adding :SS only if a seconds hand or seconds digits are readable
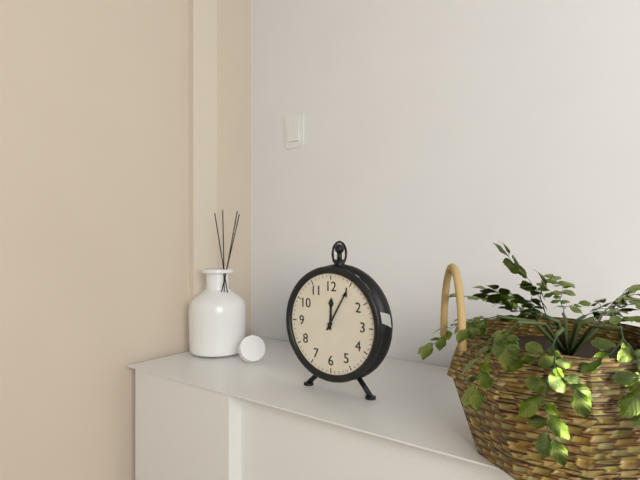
12:05
